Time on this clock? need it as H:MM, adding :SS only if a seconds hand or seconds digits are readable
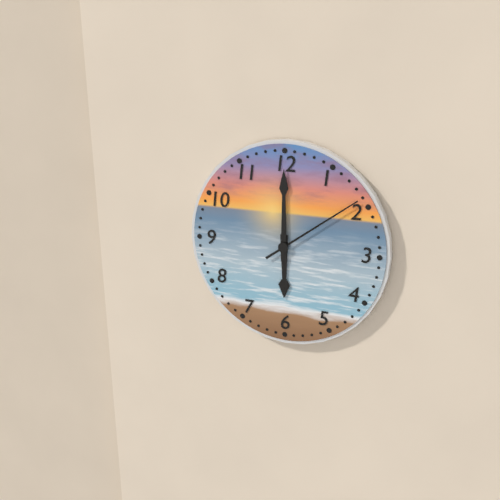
6:00:09
